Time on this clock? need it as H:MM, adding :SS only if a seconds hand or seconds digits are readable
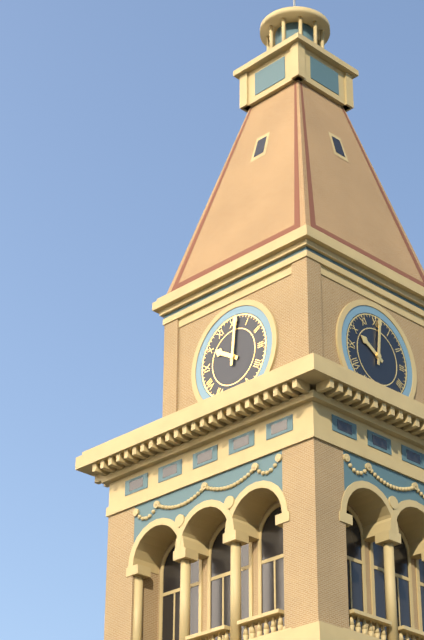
10:01
